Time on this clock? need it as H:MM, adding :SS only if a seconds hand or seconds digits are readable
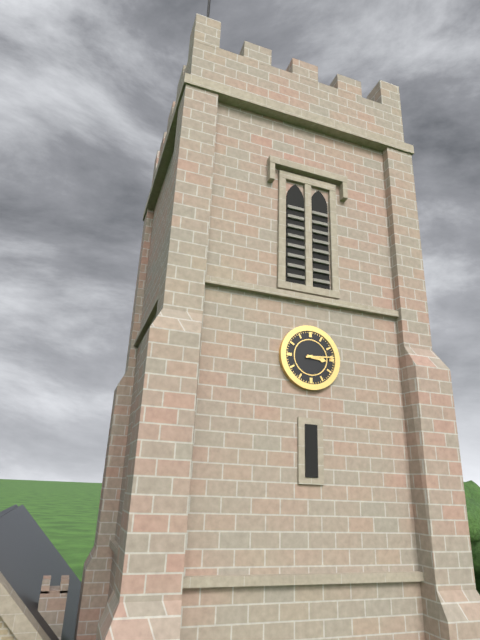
3:14
